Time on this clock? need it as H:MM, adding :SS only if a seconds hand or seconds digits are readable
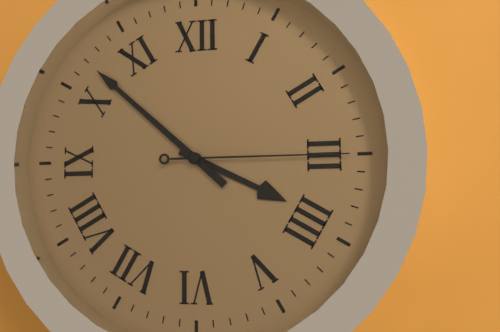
3:52:15
